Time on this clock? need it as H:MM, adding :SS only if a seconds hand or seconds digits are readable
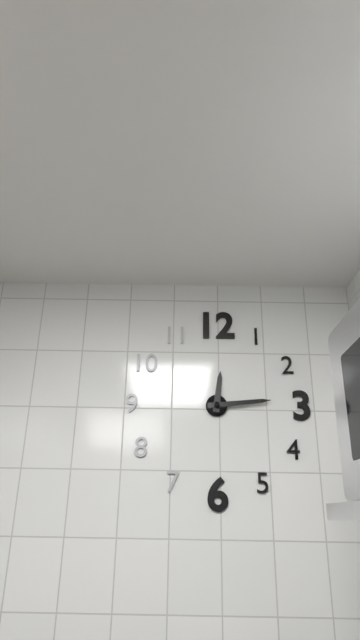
12:14
